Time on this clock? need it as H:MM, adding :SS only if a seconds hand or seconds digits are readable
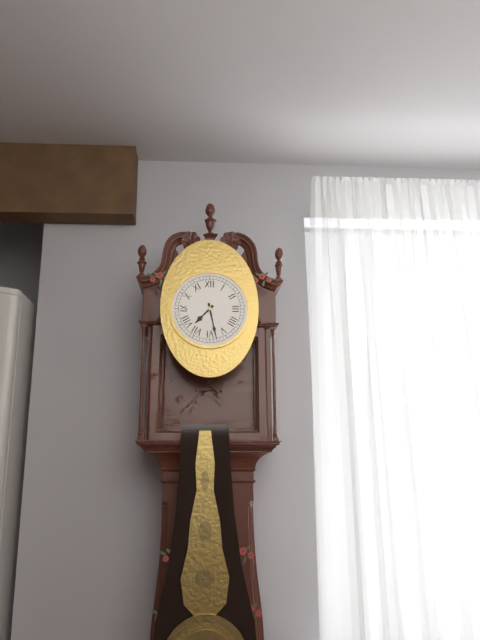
7:28
